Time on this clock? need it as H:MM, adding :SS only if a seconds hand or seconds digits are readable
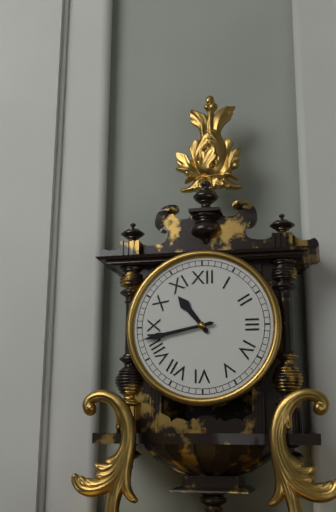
10:43
